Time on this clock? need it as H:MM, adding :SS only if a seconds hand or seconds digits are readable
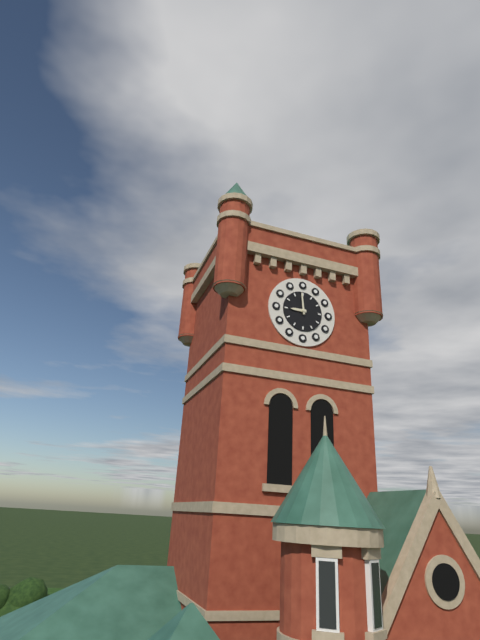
8:59
